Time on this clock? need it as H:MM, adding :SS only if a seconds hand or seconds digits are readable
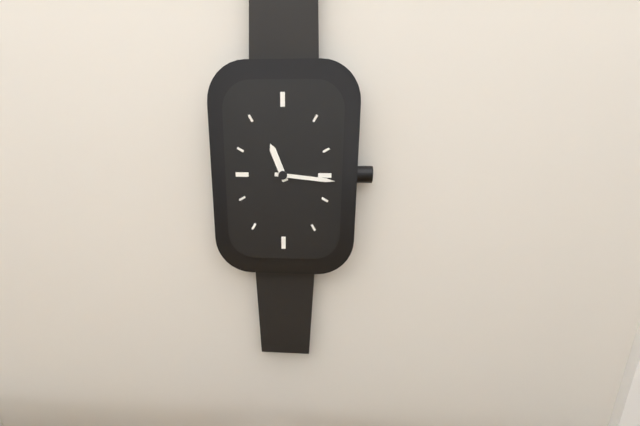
11:16
